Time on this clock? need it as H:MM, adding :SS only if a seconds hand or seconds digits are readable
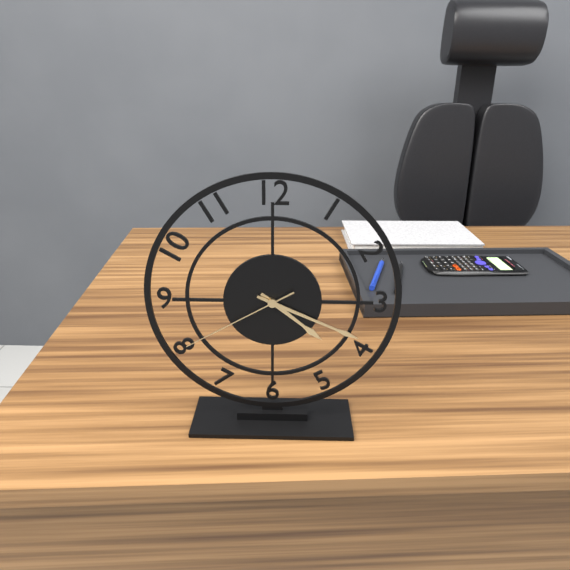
4:19:40
